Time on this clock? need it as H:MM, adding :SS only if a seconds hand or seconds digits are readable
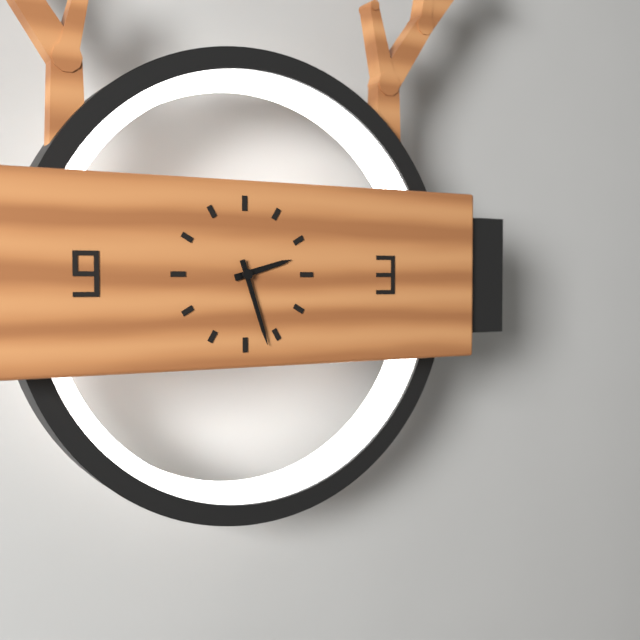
2:27
